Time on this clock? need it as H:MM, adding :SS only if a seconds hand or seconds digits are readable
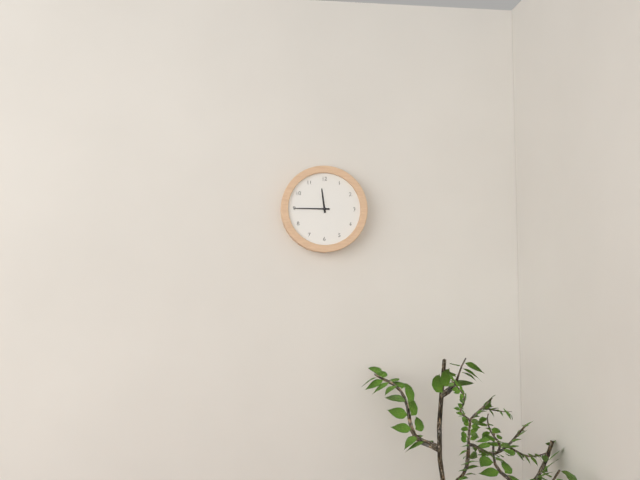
11:45
